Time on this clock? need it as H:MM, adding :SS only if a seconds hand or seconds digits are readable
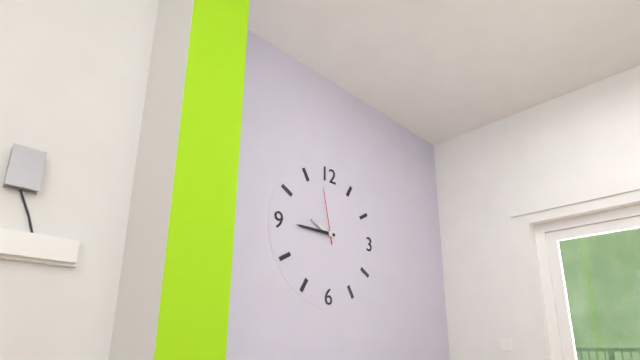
9:45:58
